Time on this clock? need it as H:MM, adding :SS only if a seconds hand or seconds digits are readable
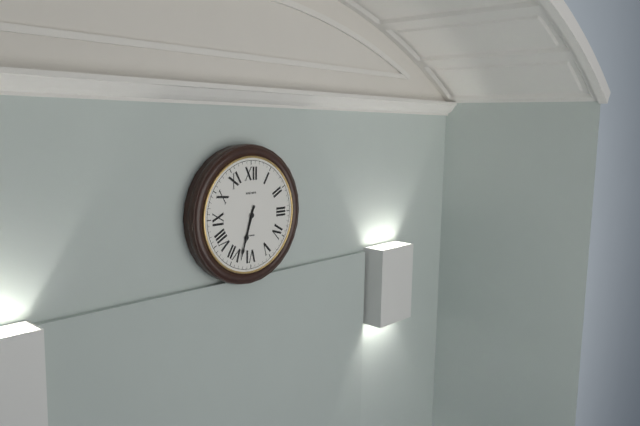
6:33
